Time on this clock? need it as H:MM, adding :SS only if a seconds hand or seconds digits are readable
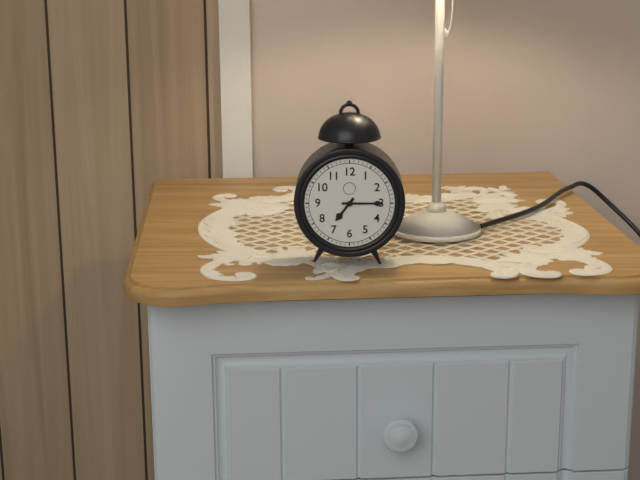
7:15
